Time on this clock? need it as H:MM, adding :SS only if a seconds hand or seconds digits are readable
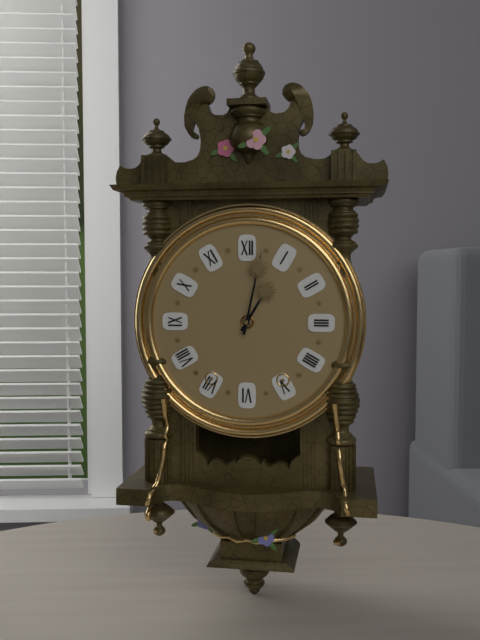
1:02
